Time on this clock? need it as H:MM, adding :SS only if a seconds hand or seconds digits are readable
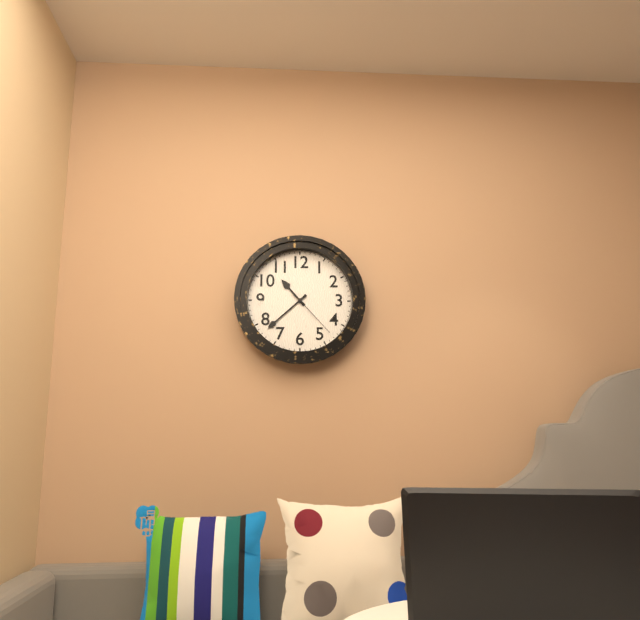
10:38:23
